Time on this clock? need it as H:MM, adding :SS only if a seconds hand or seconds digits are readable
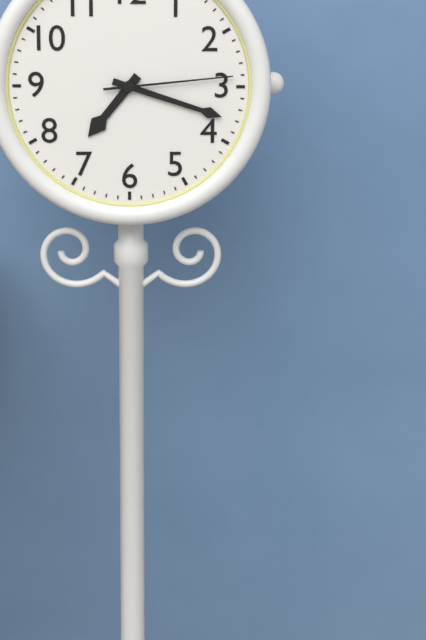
7:18:14
